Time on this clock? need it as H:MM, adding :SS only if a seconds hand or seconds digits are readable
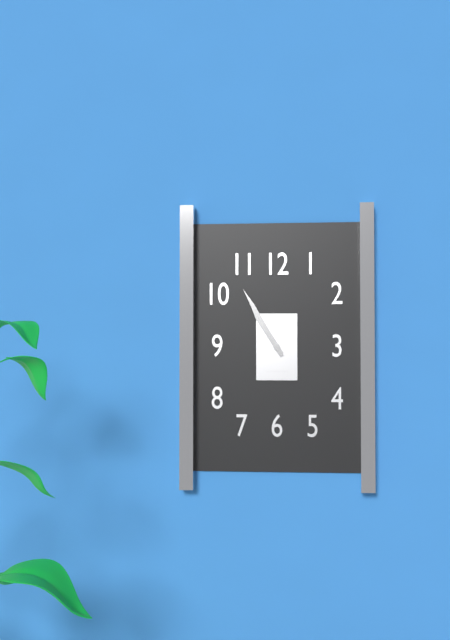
10:55
